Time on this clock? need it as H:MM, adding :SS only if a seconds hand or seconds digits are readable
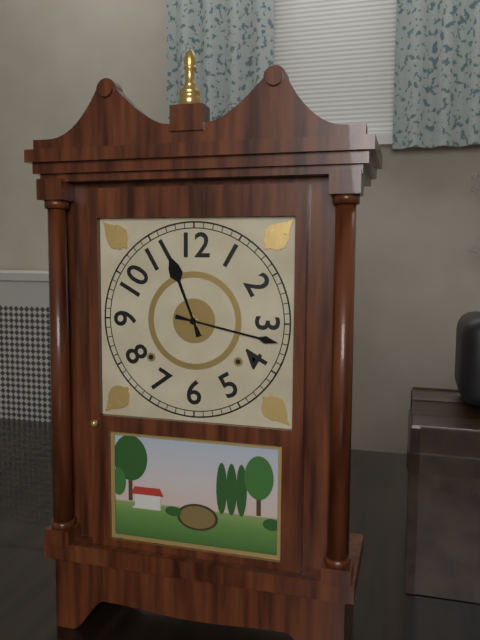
11:17
